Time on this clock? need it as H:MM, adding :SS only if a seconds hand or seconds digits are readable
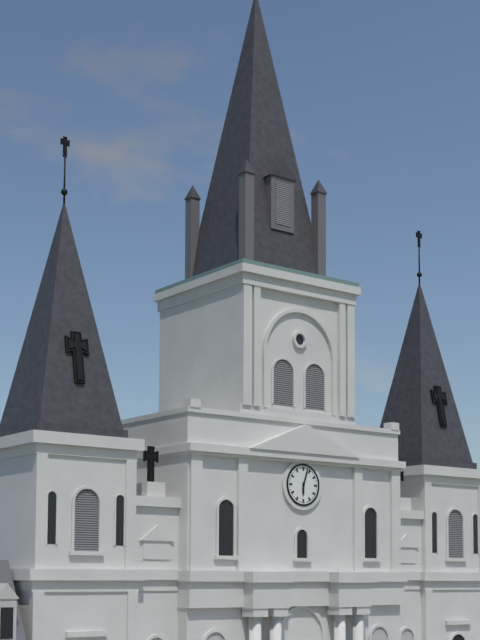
6:03
